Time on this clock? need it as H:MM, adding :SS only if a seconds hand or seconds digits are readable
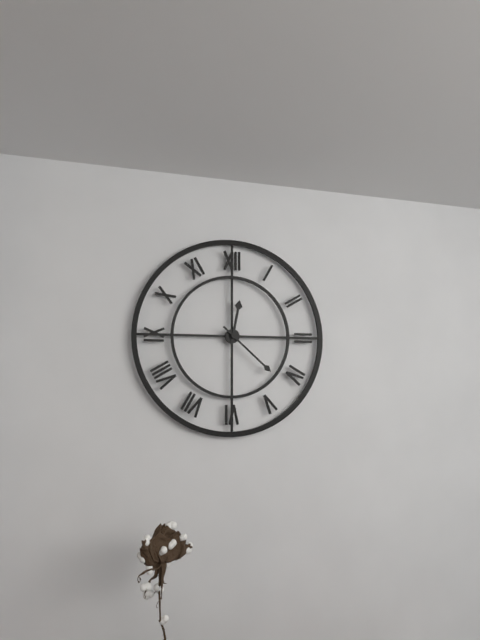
12:22
